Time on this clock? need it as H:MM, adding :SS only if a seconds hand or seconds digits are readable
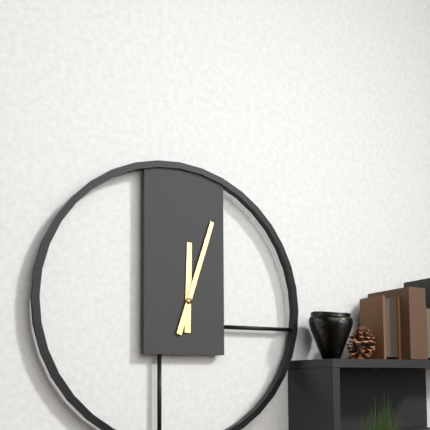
12:03
